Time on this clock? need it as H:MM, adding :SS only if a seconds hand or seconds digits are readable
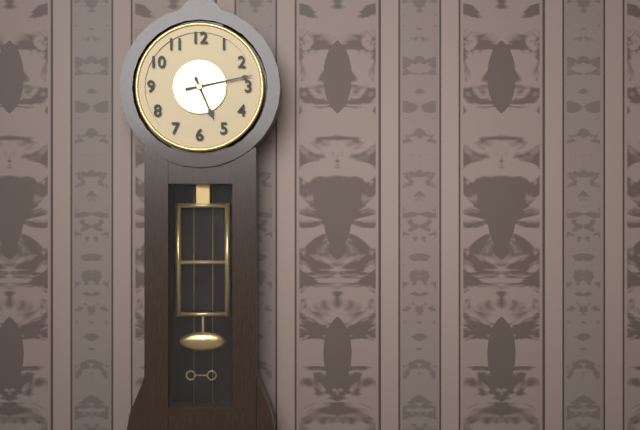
5:13
